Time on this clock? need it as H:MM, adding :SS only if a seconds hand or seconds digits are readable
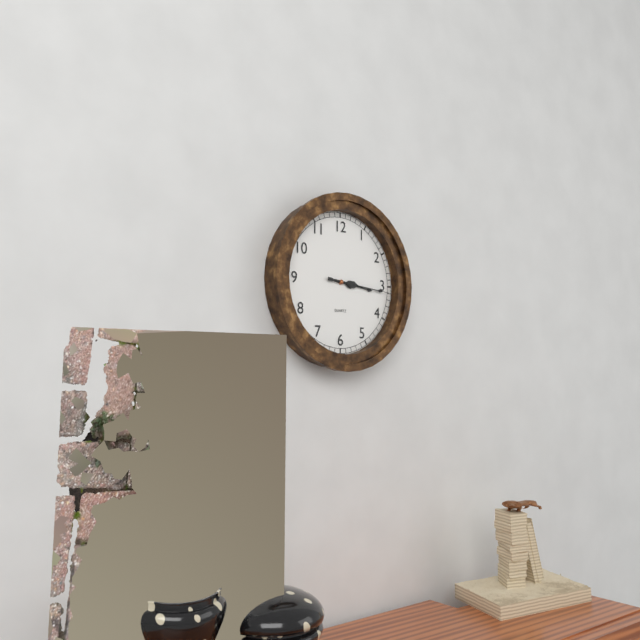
3:16:16
